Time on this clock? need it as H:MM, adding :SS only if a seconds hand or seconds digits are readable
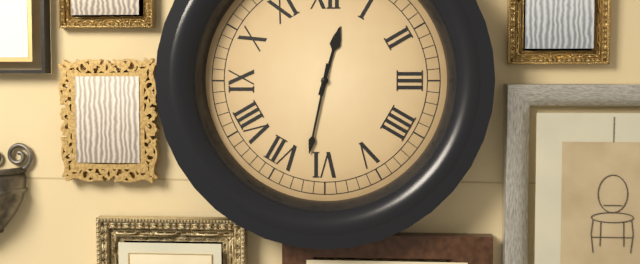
12:32
